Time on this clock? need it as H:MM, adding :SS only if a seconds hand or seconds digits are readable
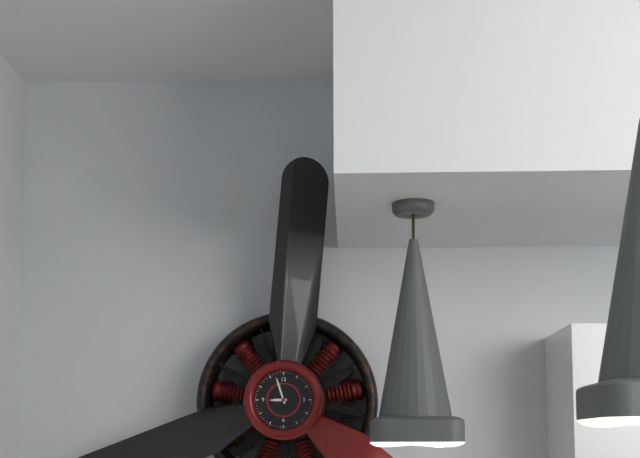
8:57
